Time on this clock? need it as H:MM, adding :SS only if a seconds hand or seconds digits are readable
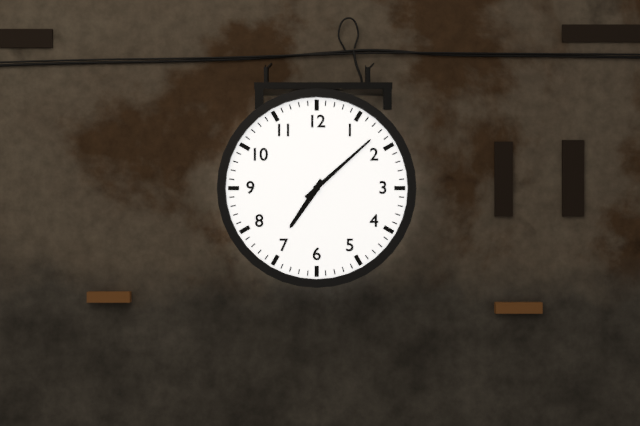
7:08
